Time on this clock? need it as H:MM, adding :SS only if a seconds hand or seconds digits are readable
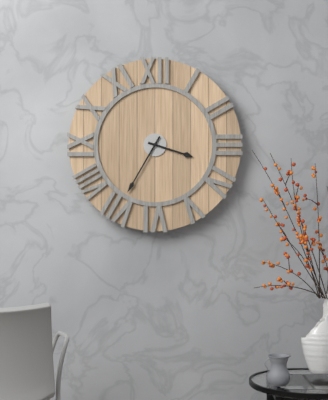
3:35
